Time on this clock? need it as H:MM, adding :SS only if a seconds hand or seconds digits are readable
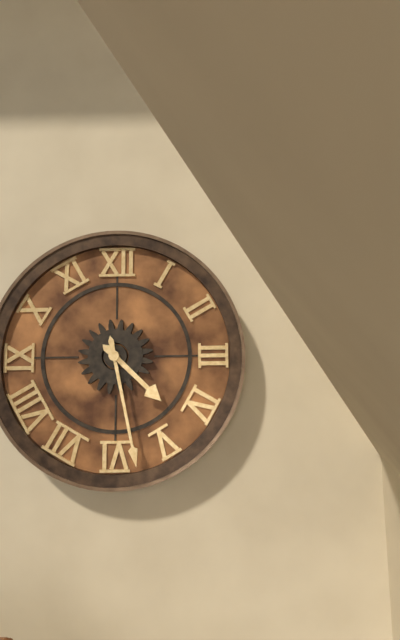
4:28
